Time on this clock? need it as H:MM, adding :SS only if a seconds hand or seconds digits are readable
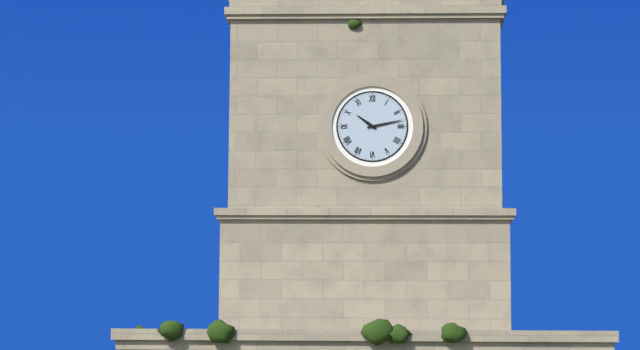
10:13
